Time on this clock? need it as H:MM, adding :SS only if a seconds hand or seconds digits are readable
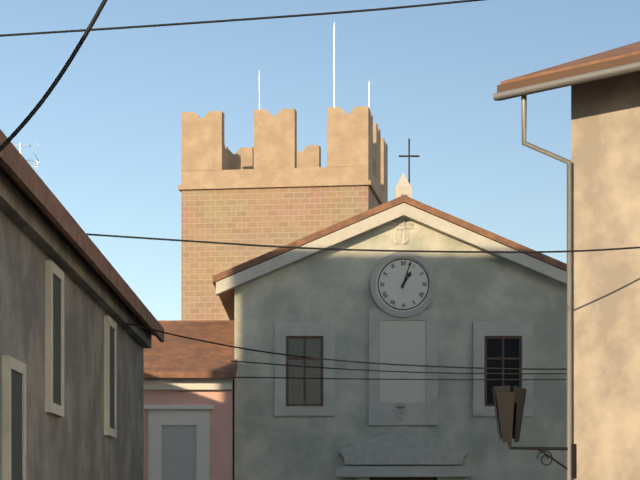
1:03
